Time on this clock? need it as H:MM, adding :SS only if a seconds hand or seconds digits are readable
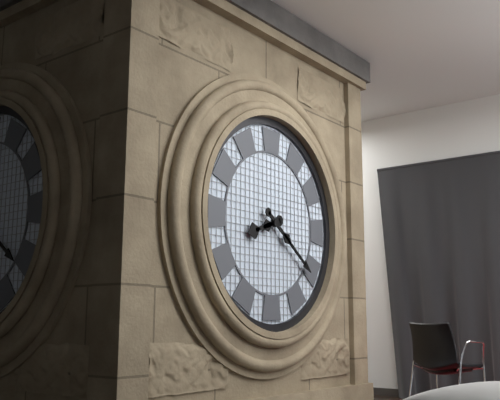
8:21
